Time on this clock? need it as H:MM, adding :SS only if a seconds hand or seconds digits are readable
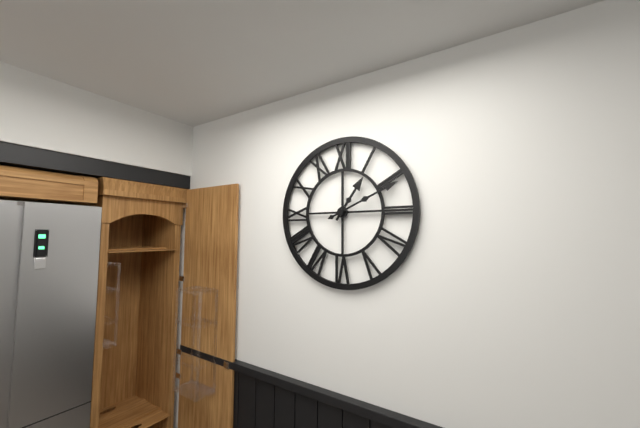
1:11
